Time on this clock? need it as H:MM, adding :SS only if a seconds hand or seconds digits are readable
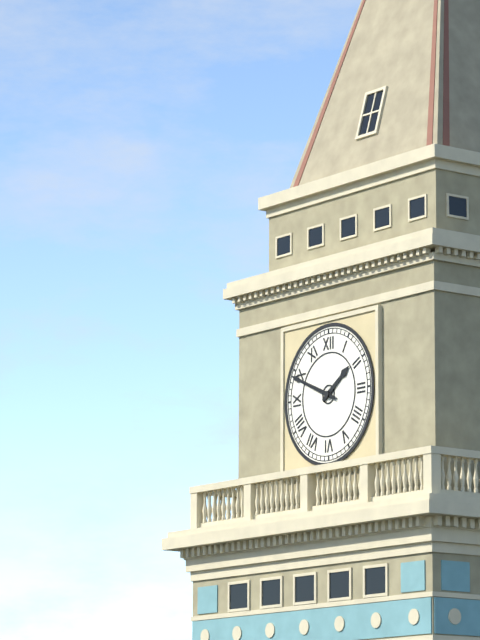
1:49
